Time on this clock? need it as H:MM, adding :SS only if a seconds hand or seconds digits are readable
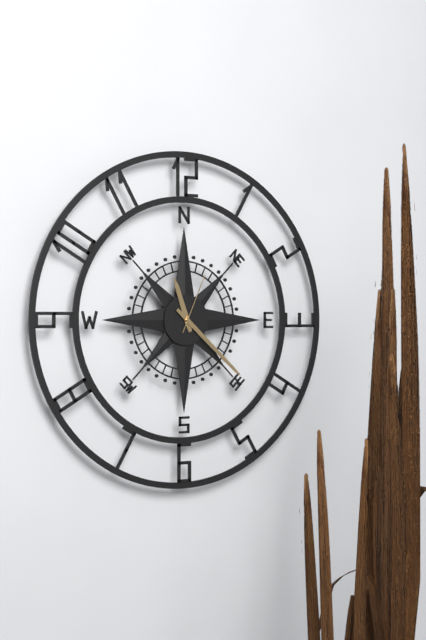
11:22:04
